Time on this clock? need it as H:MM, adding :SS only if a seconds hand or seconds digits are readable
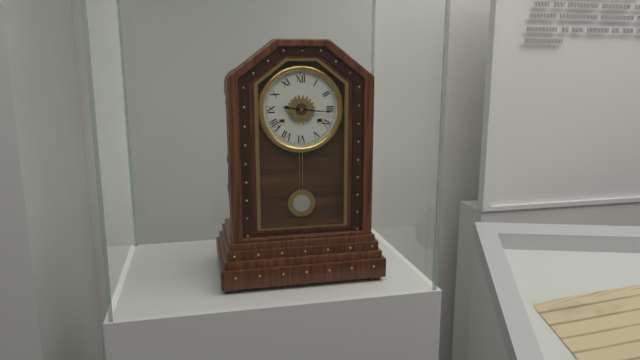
9:16
